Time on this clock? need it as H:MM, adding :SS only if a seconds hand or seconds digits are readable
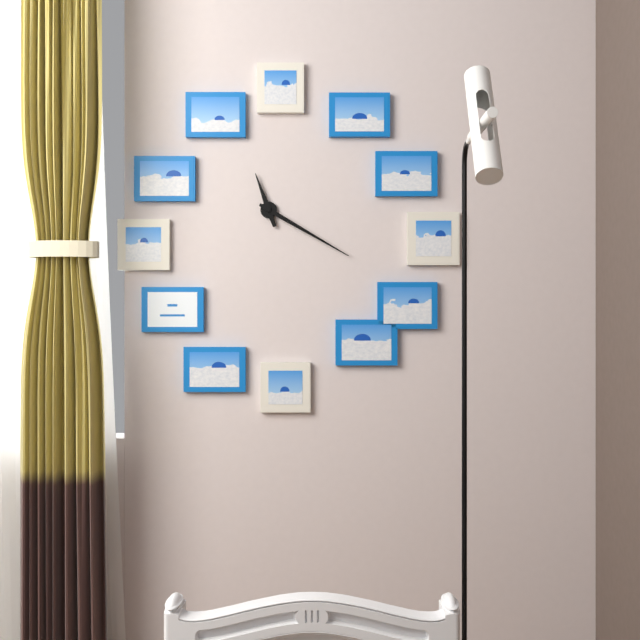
11:20
